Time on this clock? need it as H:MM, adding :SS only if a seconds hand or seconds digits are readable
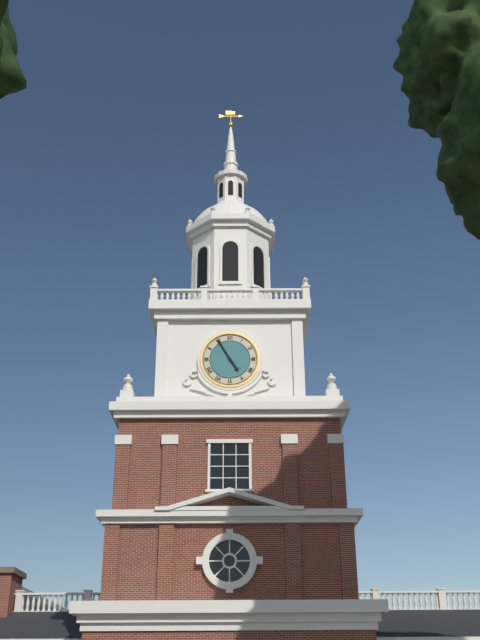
4:55
